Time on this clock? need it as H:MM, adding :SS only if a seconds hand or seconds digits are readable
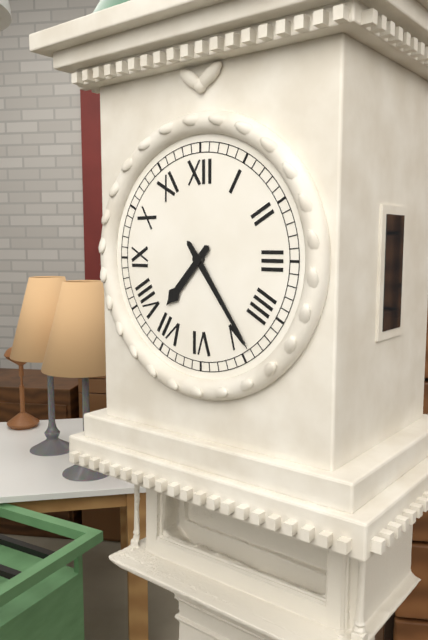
7:24
